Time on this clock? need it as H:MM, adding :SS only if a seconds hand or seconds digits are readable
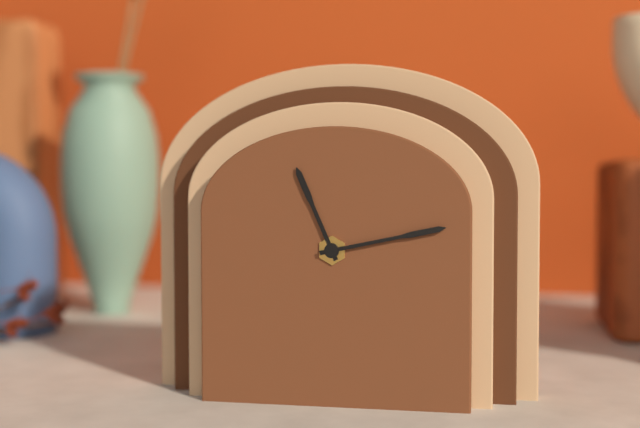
11:13
